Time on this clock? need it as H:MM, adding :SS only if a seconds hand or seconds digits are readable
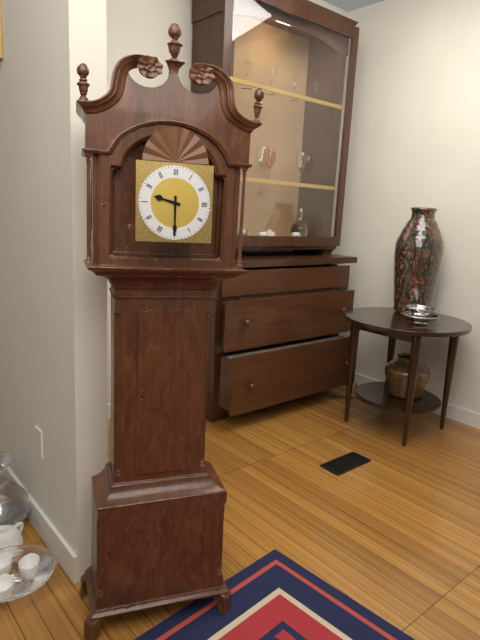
9:30
